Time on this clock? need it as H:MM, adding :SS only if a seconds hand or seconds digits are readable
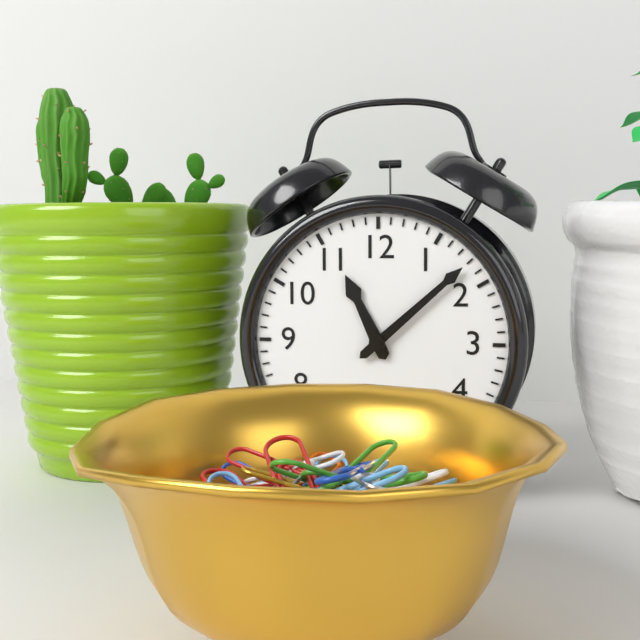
11:08
